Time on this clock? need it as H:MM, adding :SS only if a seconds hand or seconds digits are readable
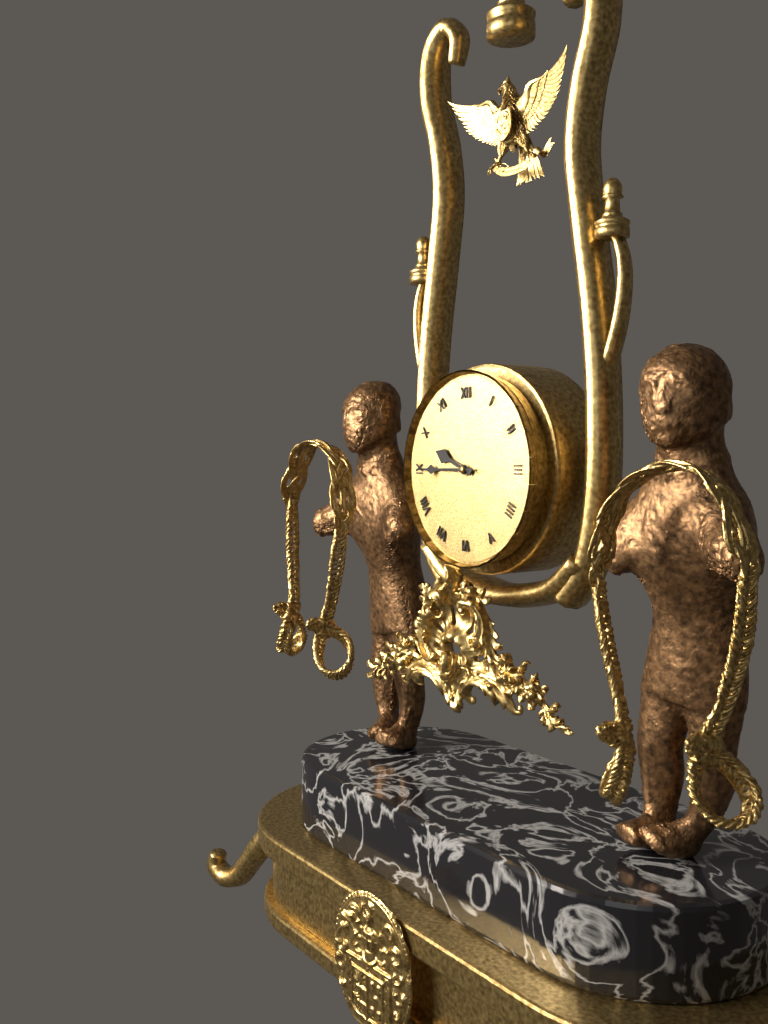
9:45
